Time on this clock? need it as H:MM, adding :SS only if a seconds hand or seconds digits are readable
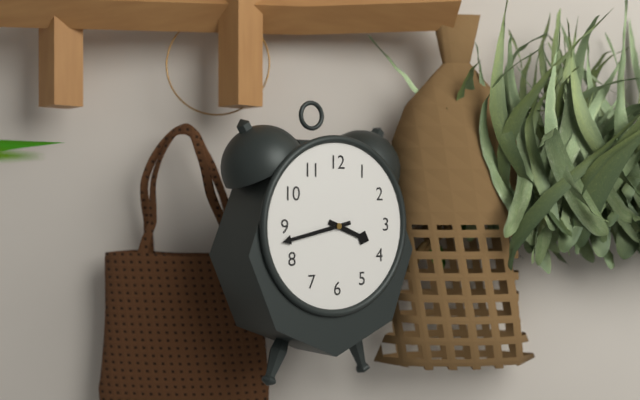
3:43
